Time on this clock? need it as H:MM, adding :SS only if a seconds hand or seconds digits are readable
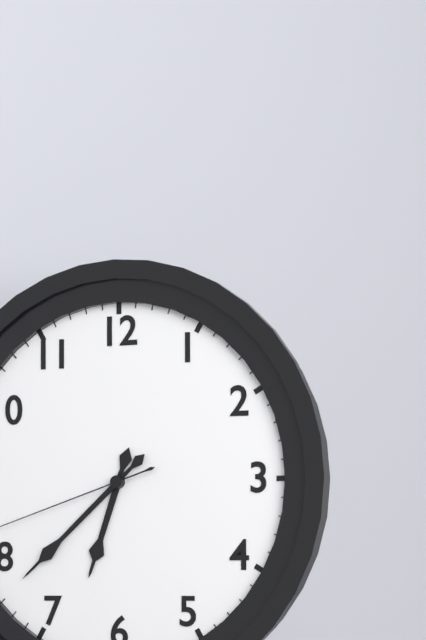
6:38
